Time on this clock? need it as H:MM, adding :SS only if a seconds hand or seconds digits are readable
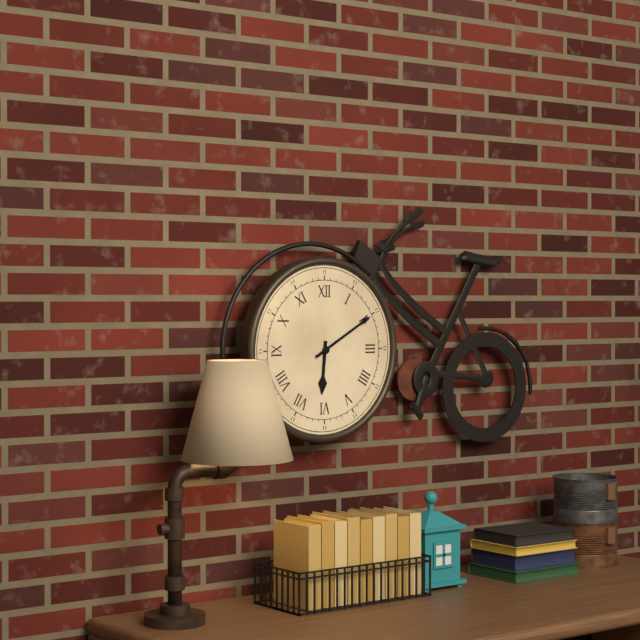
6:10
